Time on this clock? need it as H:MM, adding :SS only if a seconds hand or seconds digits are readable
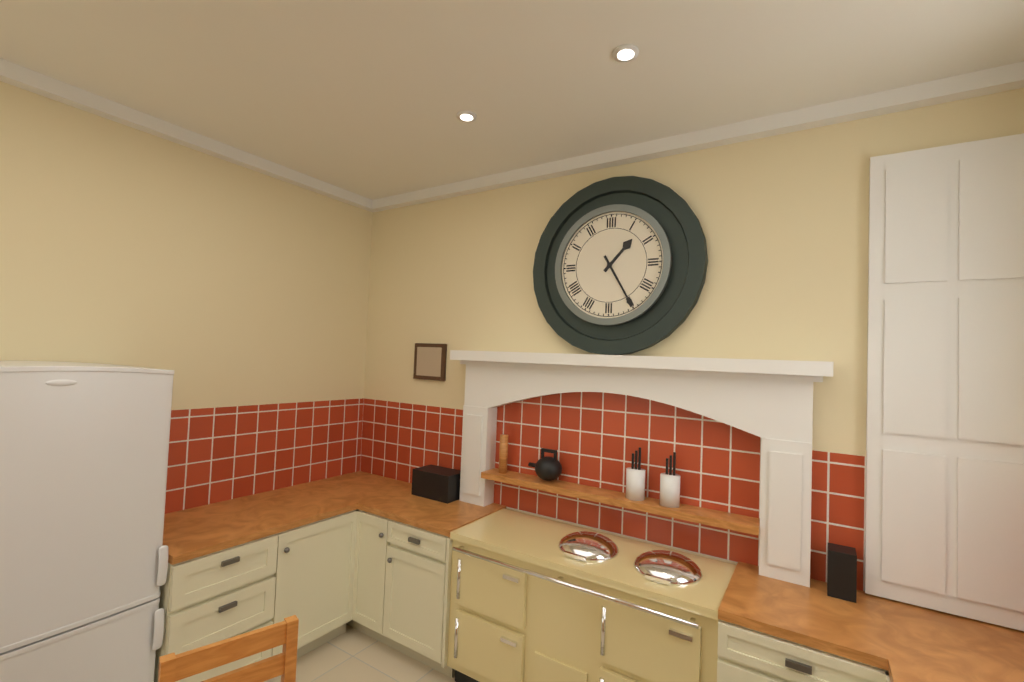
1:25
